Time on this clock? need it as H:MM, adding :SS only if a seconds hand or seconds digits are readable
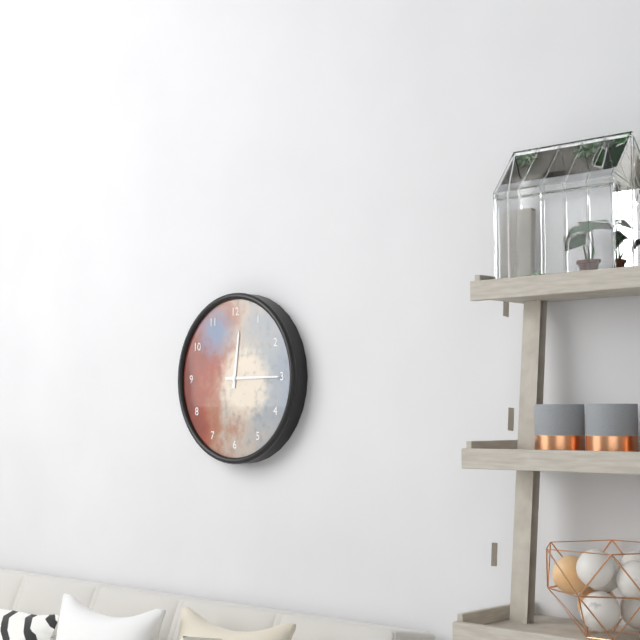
12:15
